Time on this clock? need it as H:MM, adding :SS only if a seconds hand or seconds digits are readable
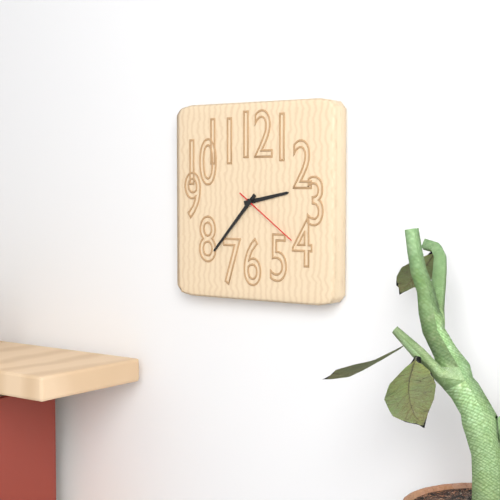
2:37:21
